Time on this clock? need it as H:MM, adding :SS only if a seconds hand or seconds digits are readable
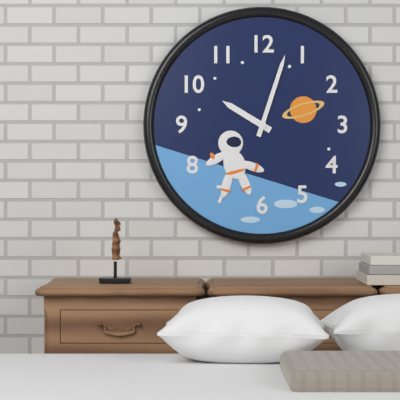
10:03
